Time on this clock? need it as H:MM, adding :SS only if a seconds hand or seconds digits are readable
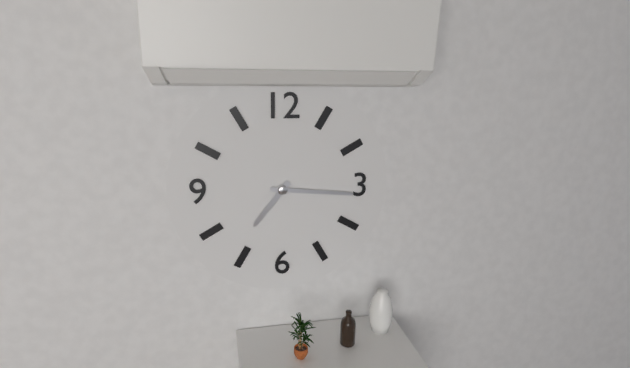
7:16
